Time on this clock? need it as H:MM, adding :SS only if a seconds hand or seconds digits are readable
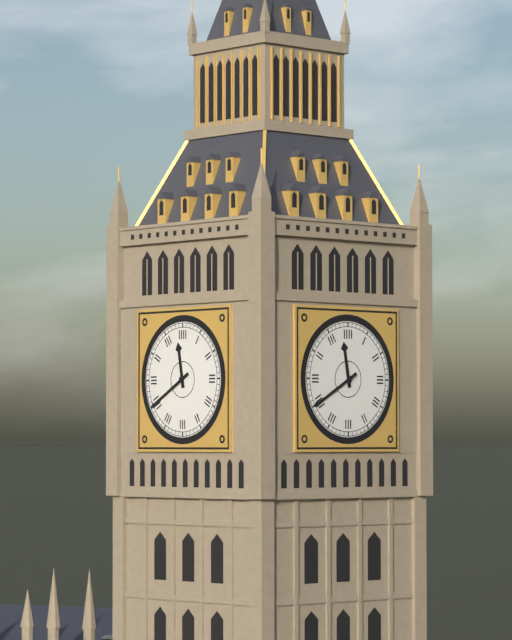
11:40
